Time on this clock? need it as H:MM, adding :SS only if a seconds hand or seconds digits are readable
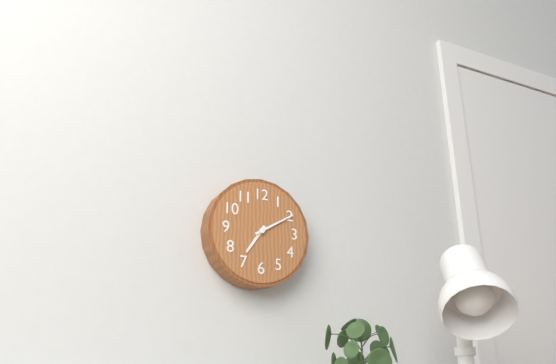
7:10
